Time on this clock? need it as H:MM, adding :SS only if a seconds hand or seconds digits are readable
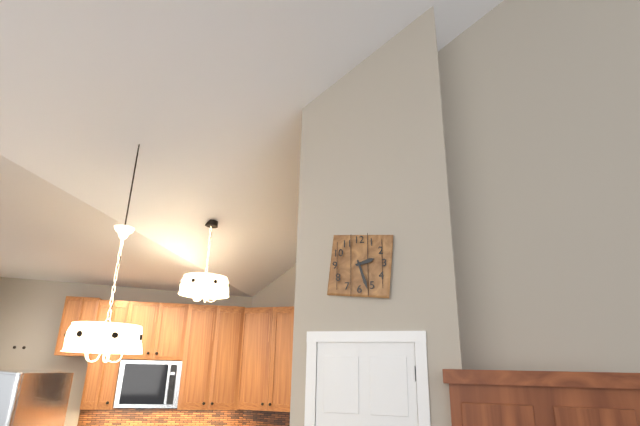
2:27
